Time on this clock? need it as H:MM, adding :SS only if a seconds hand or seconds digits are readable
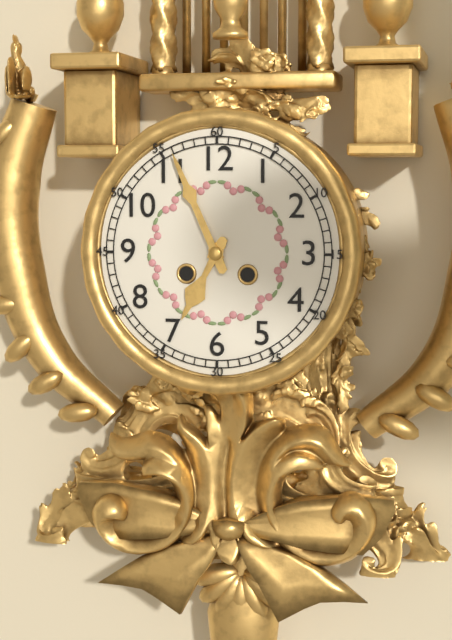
6:56
